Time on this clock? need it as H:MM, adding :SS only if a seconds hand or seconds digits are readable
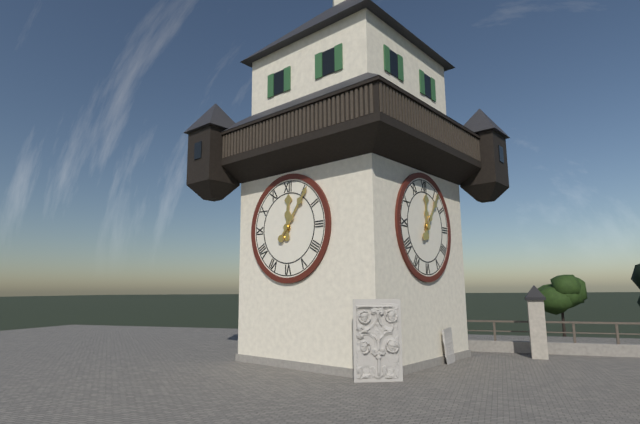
12:06
